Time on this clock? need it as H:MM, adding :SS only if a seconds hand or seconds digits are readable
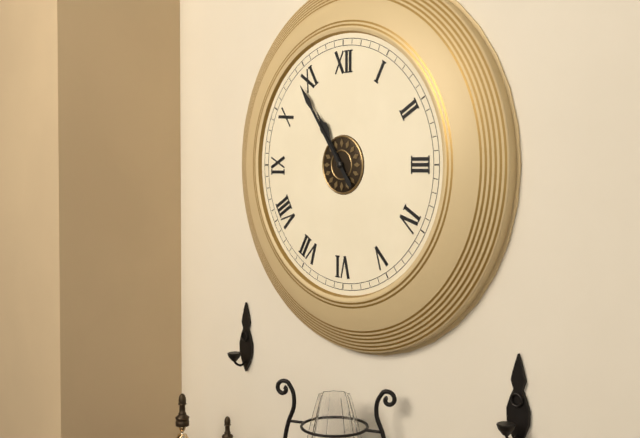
10:54
